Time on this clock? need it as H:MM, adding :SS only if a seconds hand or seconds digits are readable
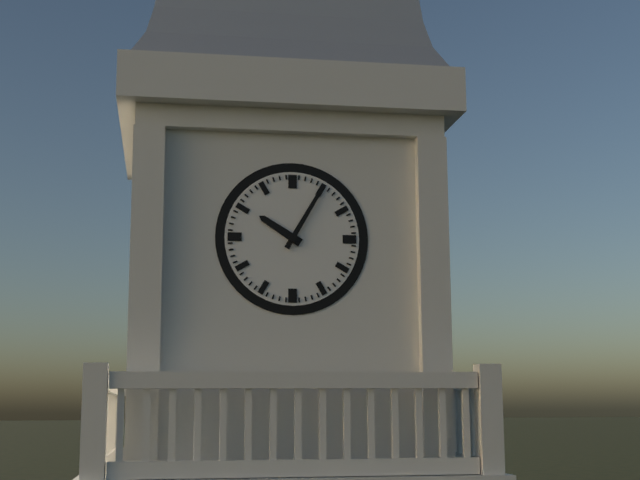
10:05
